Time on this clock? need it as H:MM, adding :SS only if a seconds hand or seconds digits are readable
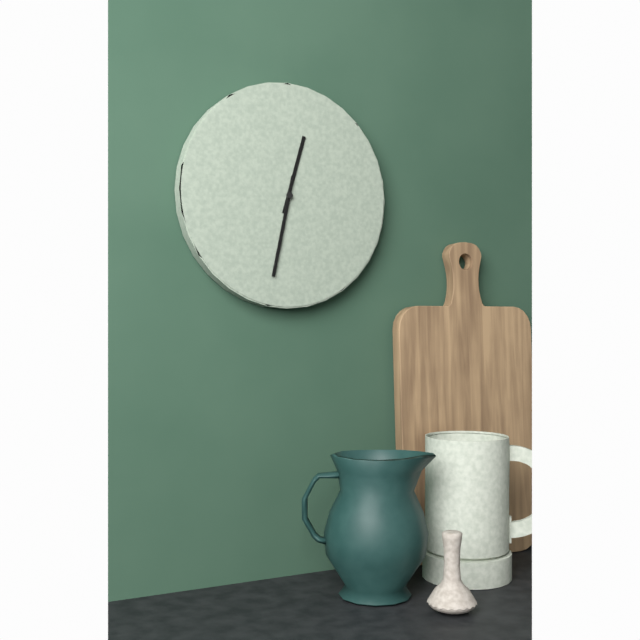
12:32
